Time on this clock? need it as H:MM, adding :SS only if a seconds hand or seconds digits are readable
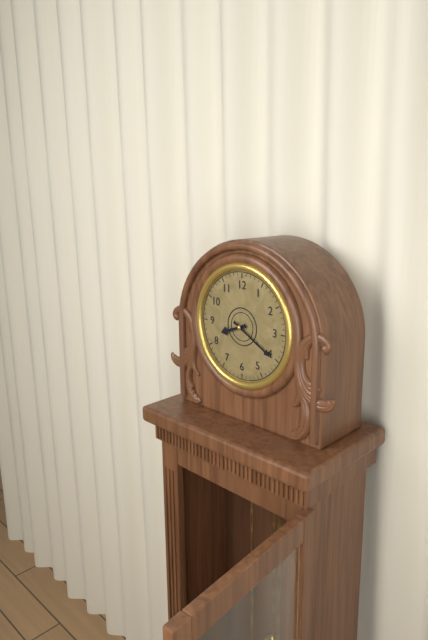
8:20
